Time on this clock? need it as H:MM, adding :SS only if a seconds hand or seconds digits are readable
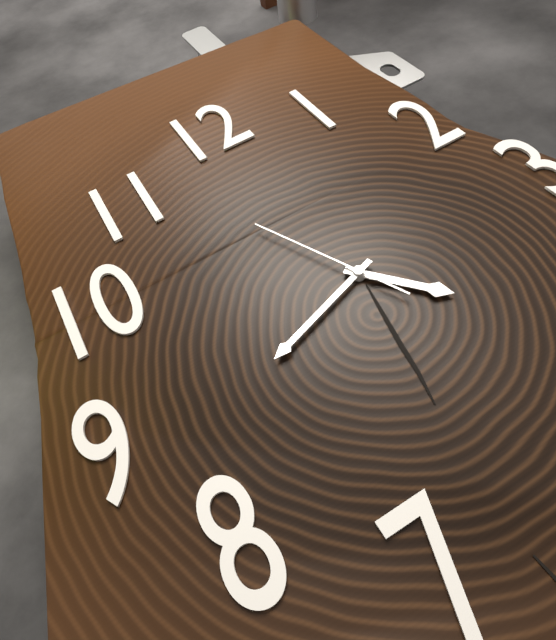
4:42:56
